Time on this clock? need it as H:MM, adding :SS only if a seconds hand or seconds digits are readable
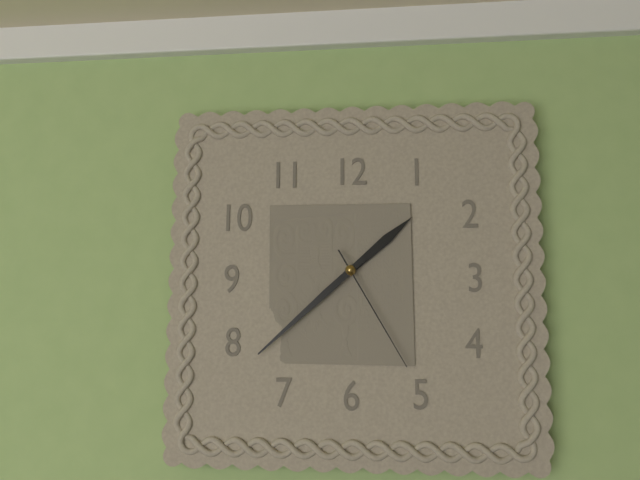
1:38:25
